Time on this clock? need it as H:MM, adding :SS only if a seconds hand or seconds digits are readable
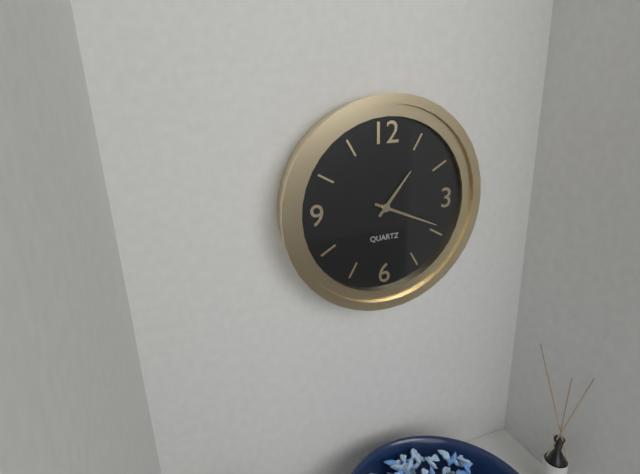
1:19
